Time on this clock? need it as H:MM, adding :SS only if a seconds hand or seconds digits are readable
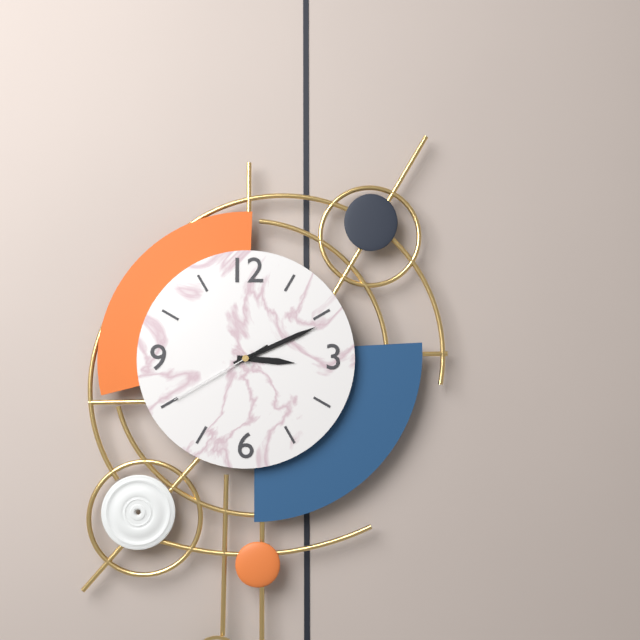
3:11:40
